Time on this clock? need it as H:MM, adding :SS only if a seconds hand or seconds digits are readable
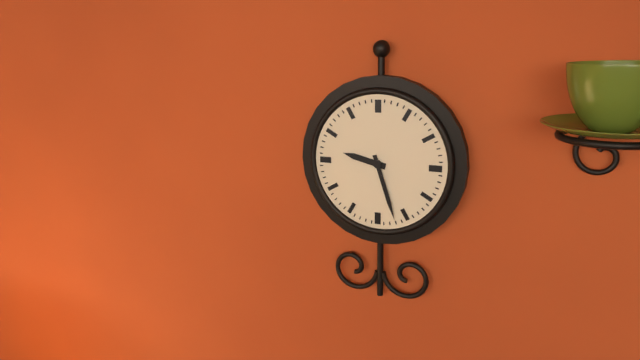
9:27
